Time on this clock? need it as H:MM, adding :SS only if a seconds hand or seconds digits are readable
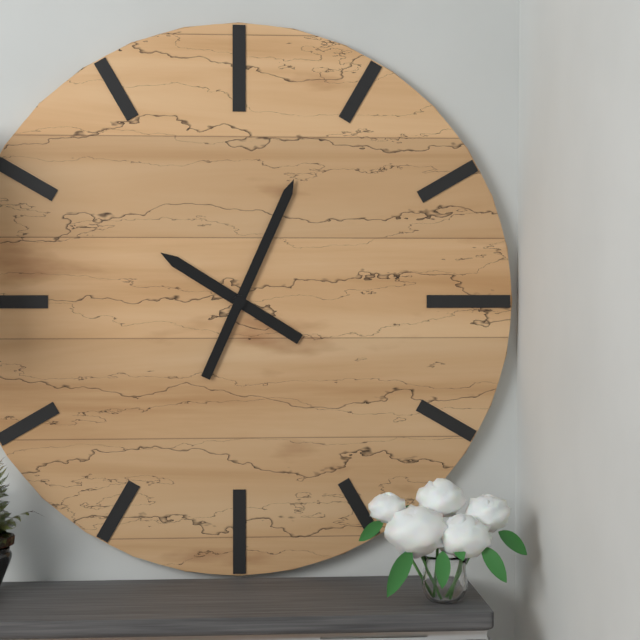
10:04
